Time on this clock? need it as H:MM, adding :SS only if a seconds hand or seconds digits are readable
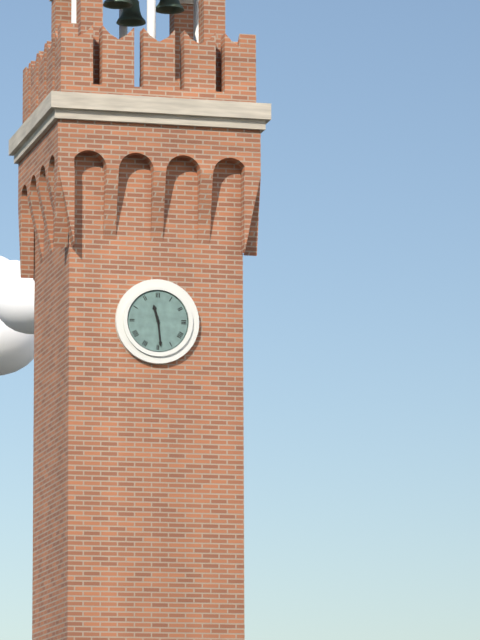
11:29
